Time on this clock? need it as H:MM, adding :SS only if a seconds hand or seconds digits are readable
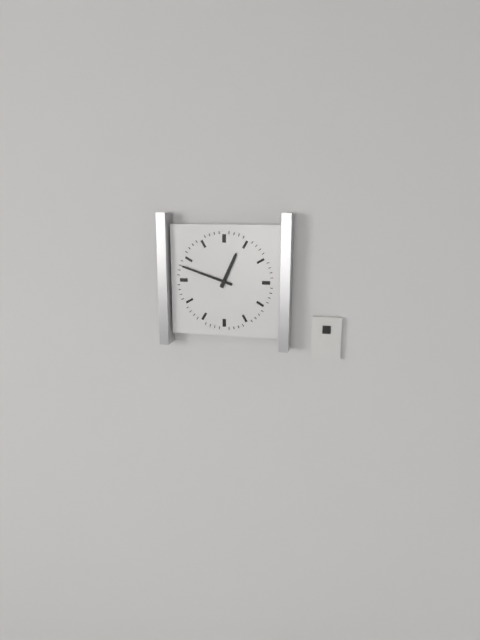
12:48
